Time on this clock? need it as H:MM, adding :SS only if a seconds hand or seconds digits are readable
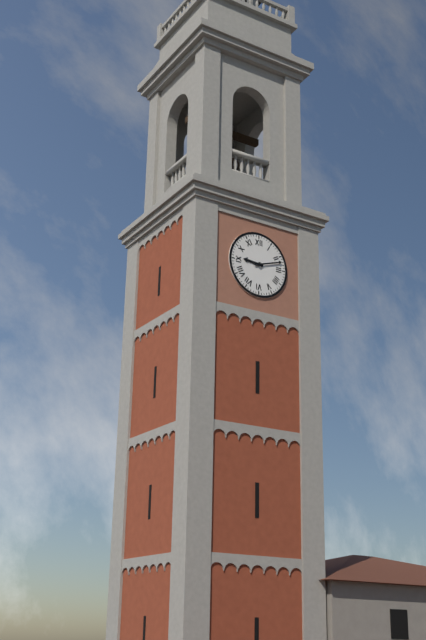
9:12
